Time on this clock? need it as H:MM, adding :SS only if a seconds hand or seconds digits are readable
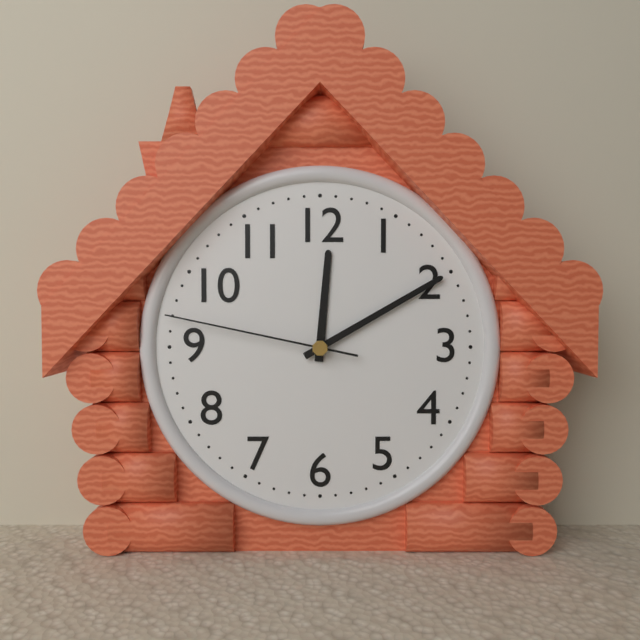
12:10:47
